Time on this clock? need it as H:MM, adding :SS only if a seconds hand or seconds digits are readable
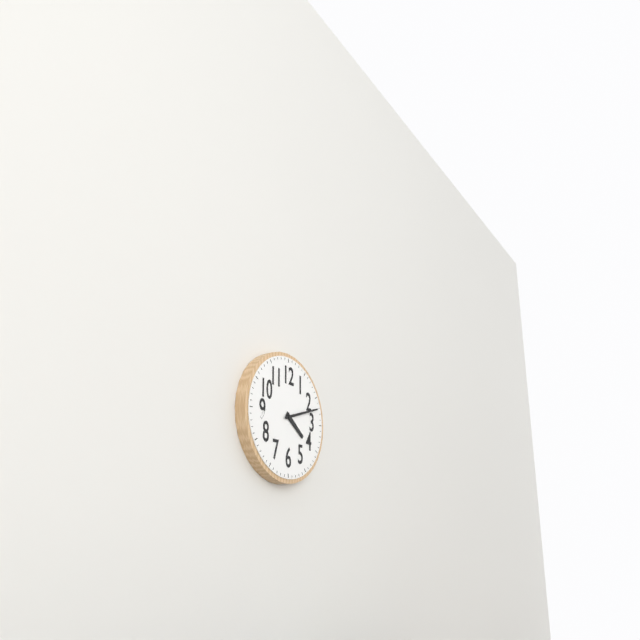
4:12
